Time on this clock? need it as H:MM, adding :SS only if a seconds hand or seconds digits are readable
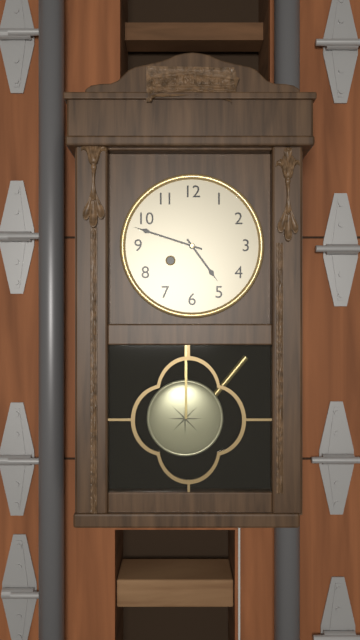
4:48
